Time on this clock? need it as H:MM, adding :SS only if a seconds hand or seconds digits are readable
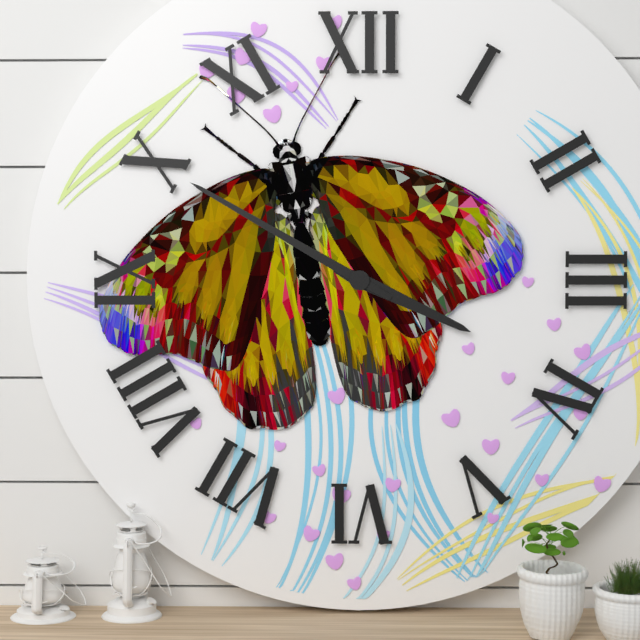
3:50
